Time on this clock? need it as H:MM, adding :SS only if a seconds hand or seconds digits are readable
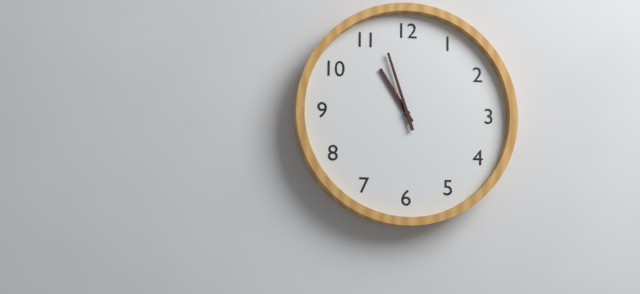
10:57
